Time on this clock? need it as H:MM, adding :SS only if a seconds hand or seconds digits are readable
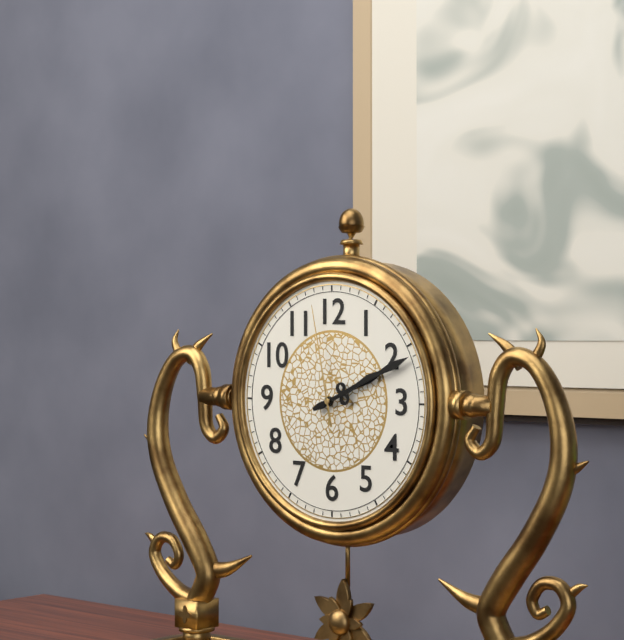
2:11:58
